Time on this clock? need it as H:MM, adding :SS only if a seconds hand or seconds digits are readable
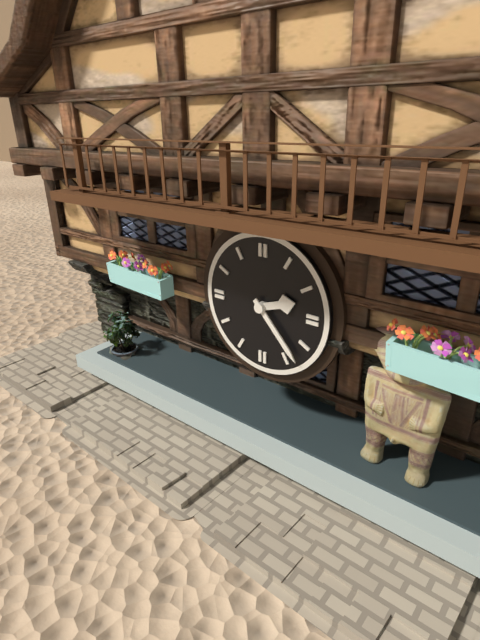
2:23
